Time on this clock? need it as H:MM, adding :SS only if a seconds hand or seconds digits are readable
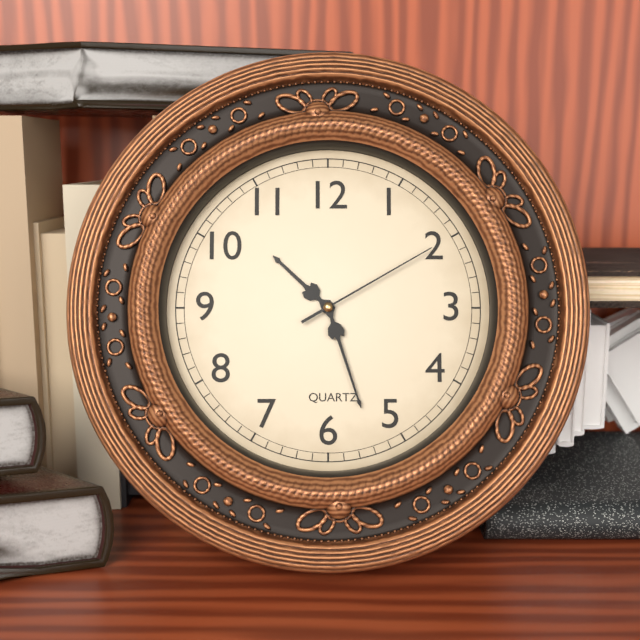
10:27:10
